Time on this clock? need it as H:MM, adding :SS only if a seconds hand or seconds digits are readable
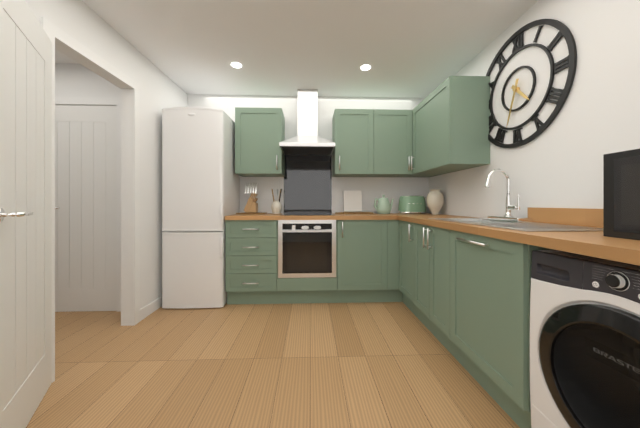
4:33
